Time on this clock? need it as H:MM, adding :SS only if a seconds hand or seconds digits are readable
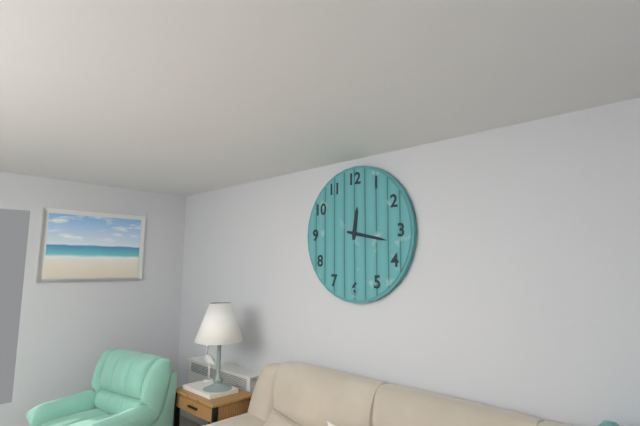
12:17
